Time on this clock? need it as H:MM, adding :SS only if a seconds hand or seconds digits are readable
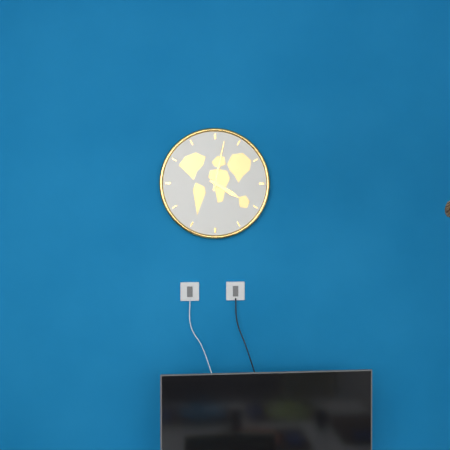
4:02
